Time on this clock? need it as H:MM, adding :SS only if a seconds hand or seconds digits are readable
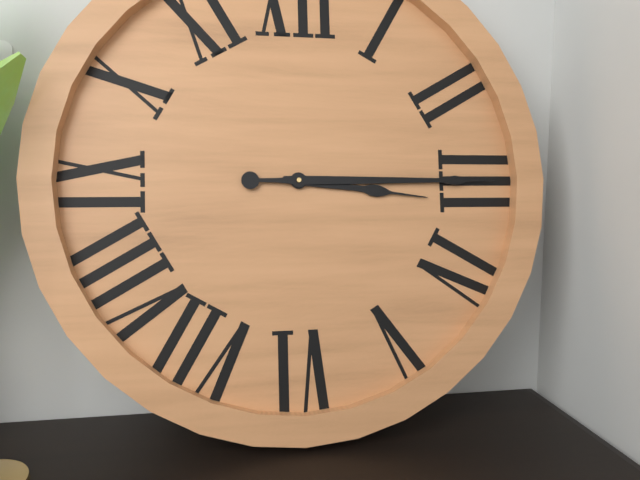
3:15
